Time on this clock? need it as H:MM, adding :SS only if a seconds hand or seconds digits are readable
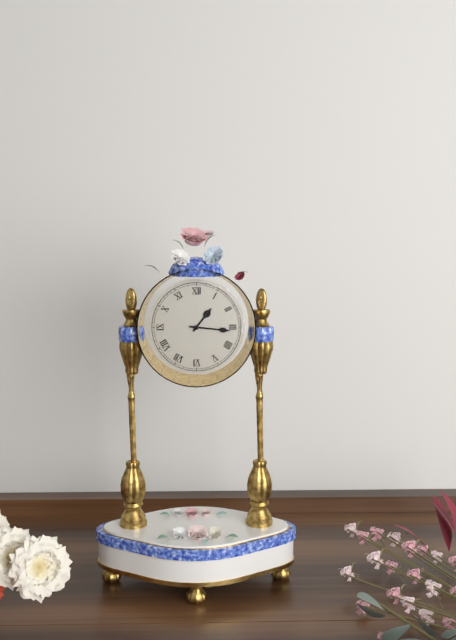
1:16
